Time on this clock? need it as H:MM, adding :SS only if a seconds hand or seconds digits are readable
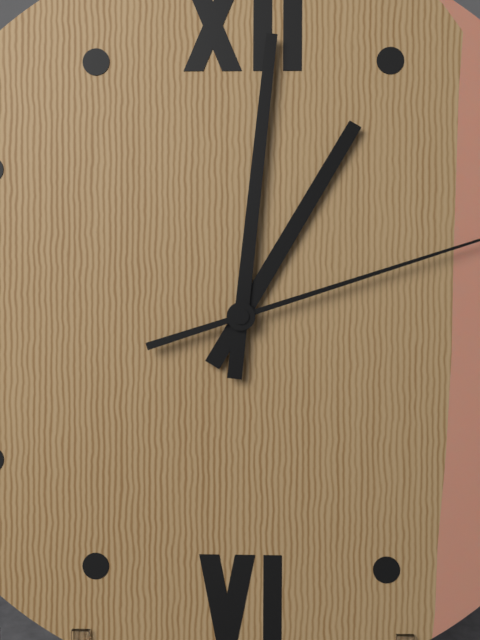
1:01
